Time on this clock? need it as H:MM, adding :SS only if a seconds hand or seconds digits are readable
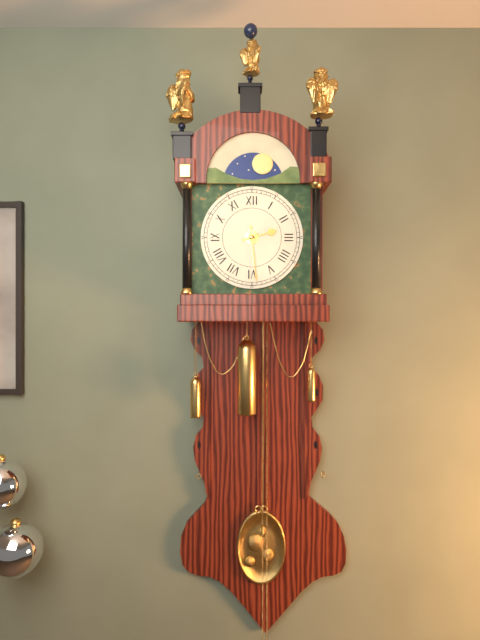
2:29
